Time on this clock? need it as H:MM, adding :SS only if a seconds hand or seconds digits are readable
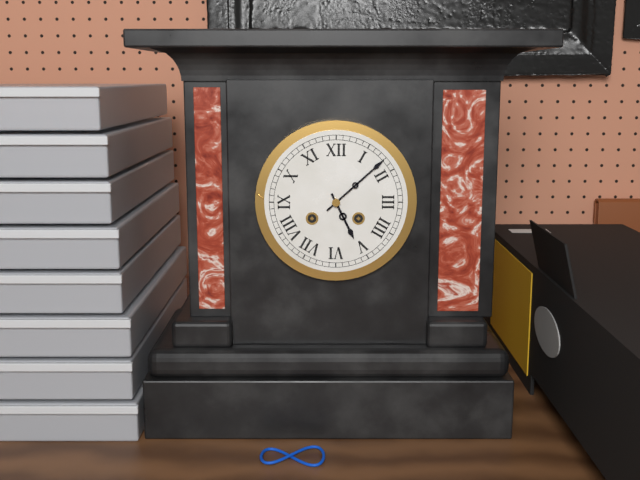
5:08
